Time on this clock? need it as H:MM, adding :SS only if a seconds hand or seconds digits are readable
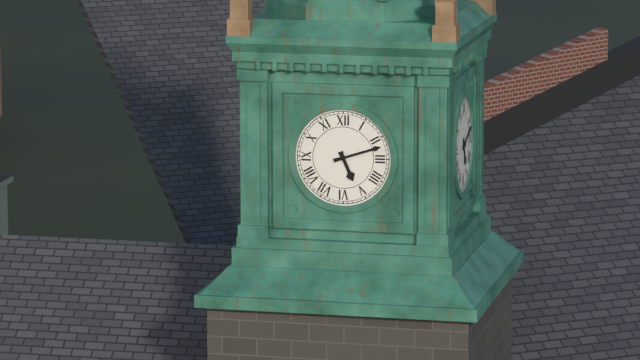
5:12
